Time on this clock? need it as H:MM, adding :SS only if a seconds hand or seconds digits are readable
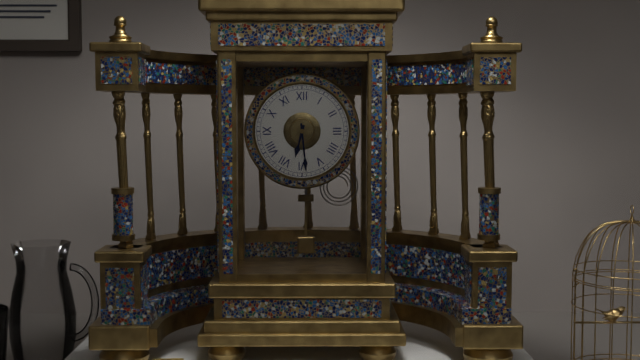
6:29
